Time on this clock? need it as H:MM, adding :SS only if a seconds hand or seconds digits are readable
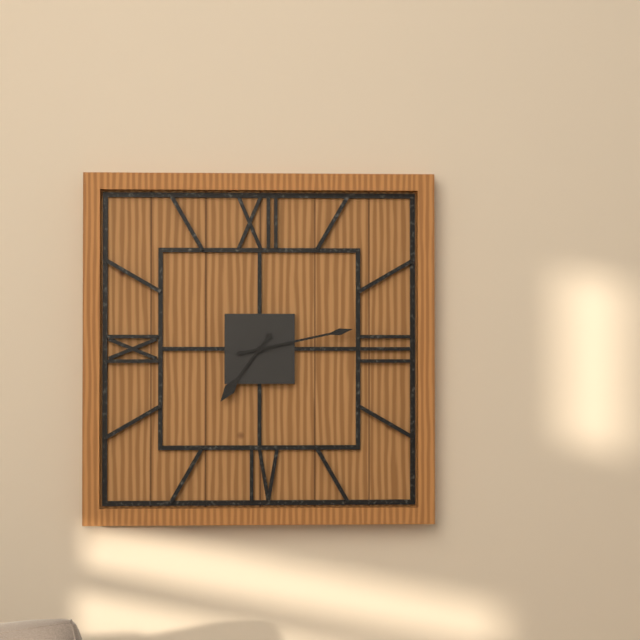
7:13
